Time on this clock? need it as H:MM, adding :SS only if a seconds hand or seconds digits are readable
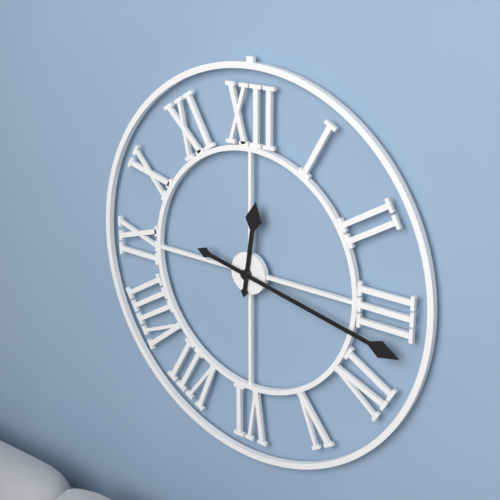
12:17
